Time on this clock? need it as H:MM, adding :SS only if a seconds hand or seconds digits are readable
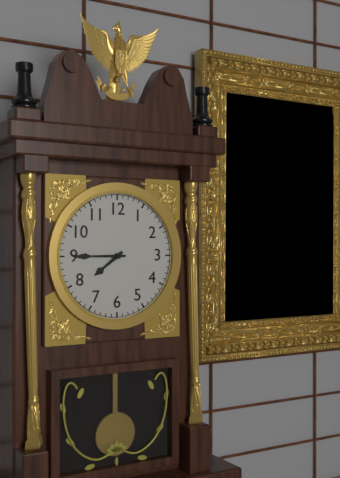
7:45
